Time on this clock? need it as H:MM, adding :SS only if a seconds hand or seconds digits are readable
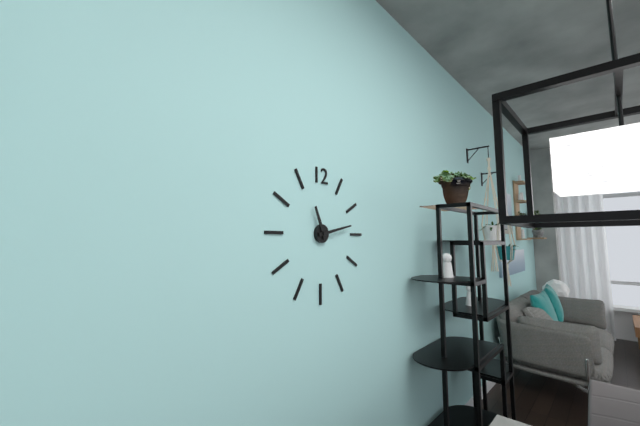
11:13
